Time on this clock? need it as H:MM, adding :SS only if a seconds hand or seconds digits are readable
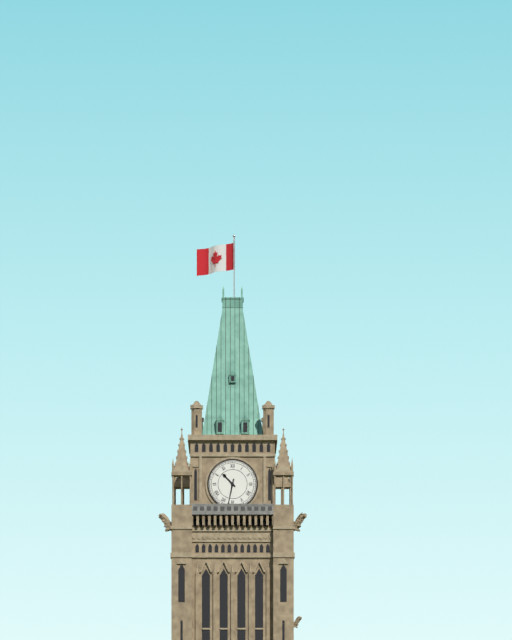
10:32
